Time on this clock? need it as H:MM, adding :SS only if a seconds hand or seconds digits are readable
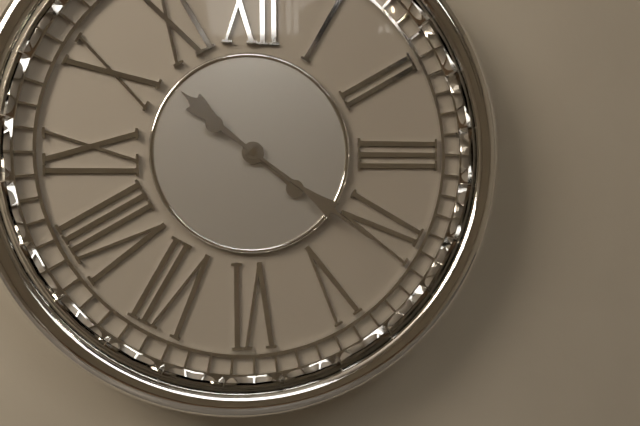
10:21
